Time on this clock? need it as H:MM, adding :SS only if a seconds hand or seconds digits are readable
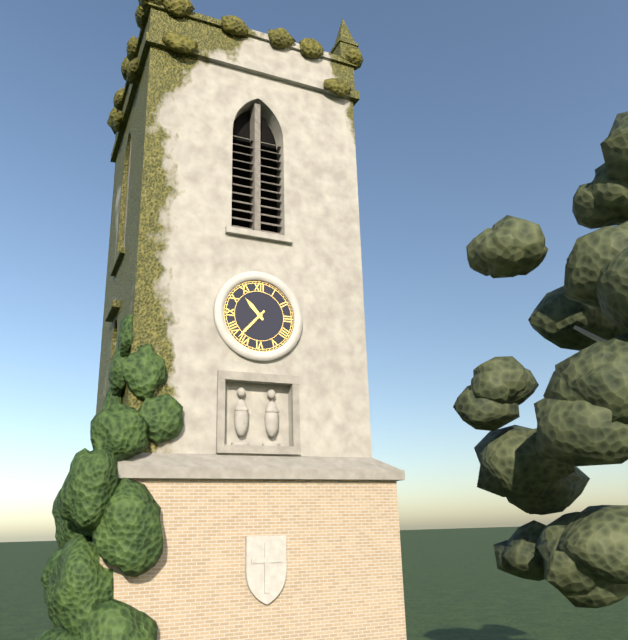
10:37
